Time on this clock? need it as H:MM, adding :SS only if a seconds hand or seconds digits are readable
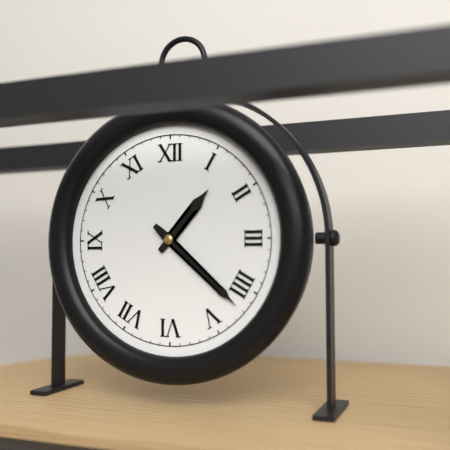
1:22
